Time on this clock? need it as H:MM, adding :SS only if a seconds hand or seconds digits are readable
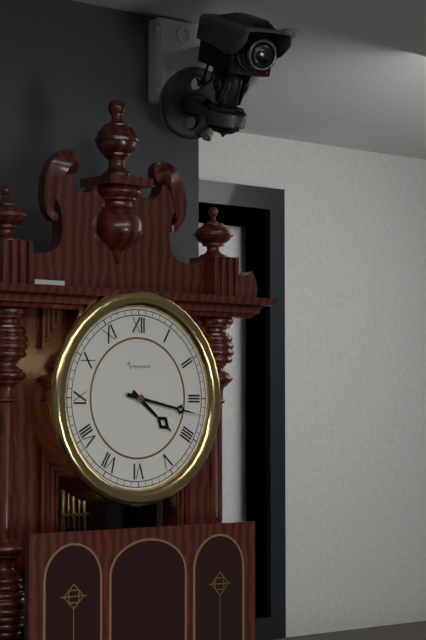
4:17
